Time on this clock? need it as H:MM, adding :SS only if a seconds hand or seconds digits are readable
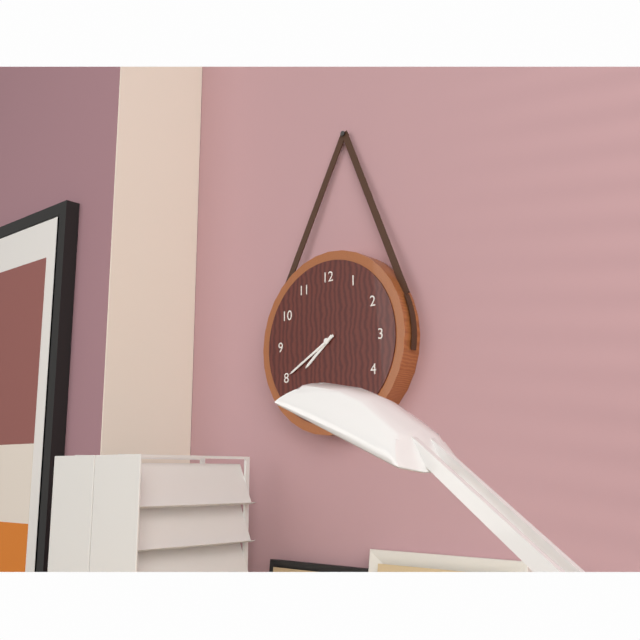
7:40
